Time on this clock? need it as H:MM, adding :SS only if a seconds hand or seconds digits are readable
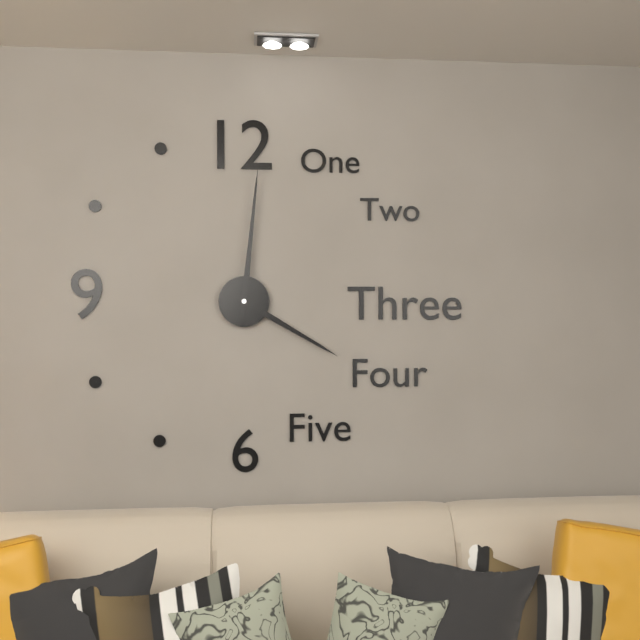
4:01
